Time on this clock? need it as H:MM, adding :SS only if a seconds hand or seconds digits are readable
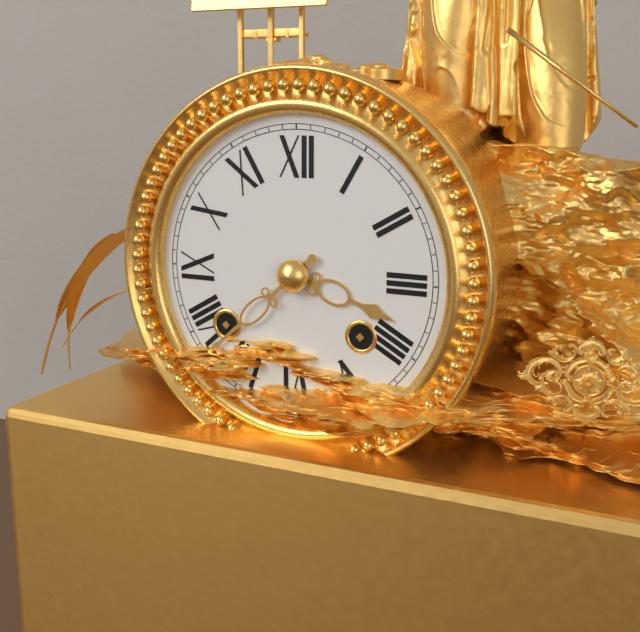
3:38
